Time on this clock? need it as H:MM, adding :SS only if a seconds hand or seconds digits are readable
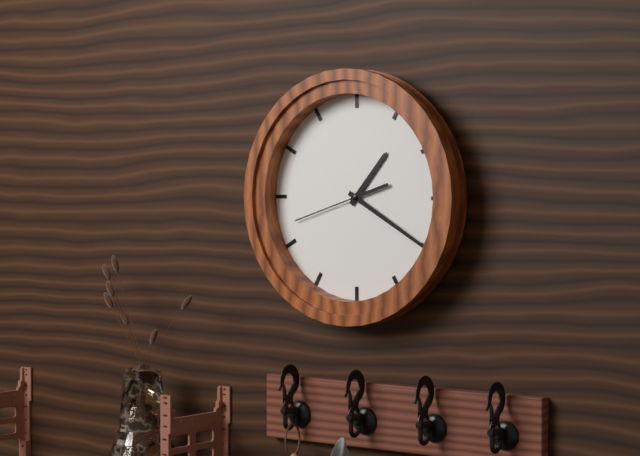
1:20:42
